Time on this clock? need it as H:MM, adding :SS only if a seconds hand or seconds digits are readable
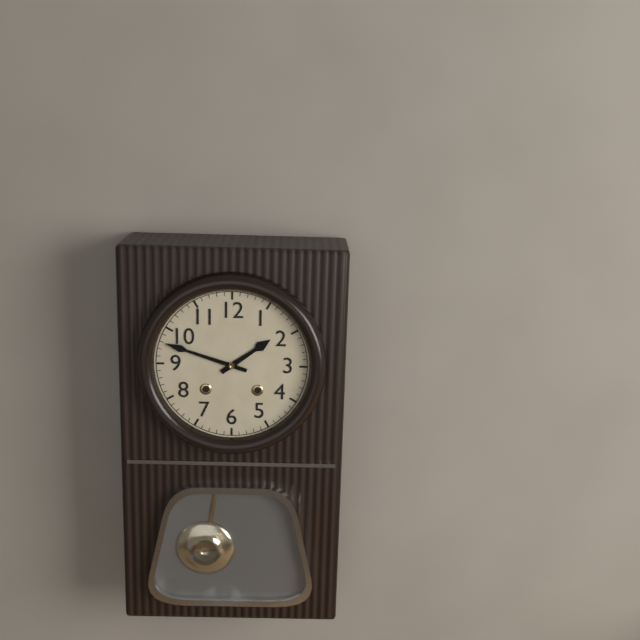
1:48
